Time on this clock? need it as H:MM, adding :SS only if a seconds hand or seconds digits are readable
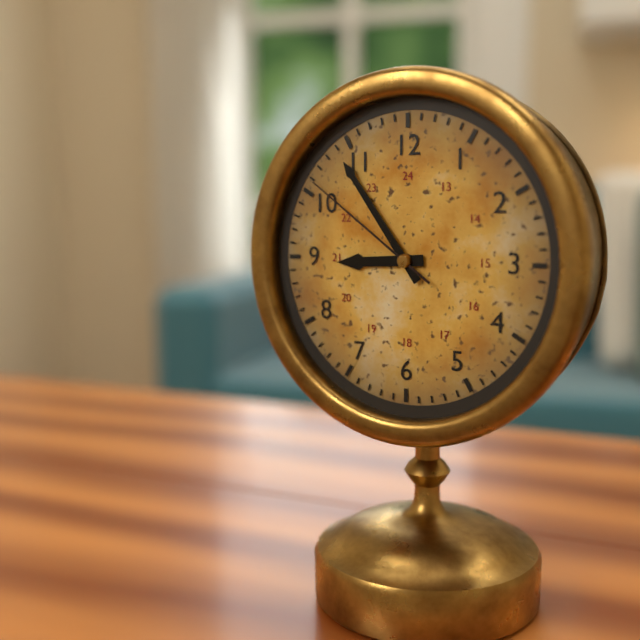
8:54:51
